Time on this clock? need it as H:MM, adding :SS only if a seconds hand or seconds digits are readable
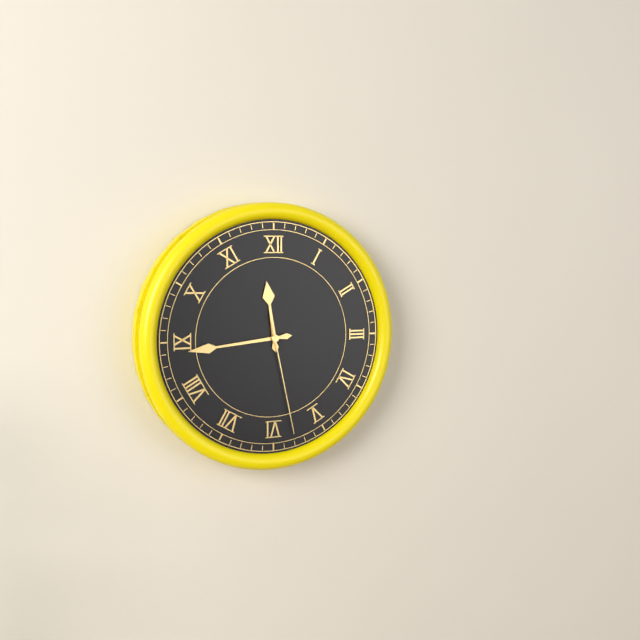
11:44:28
